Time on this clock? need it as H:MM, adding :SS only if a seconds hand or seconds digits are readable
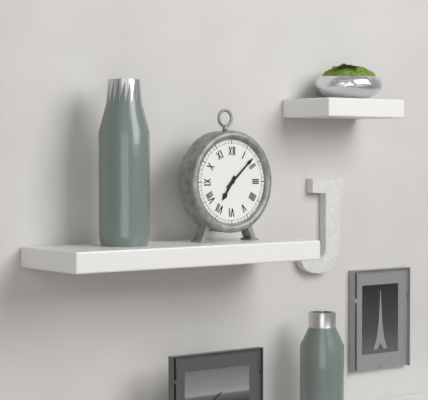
7:08
